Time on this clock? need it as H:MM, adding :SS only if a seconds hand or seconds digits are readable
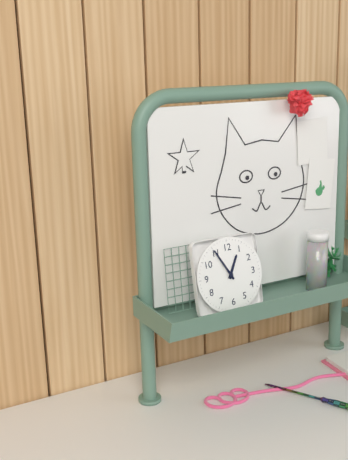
12:55
